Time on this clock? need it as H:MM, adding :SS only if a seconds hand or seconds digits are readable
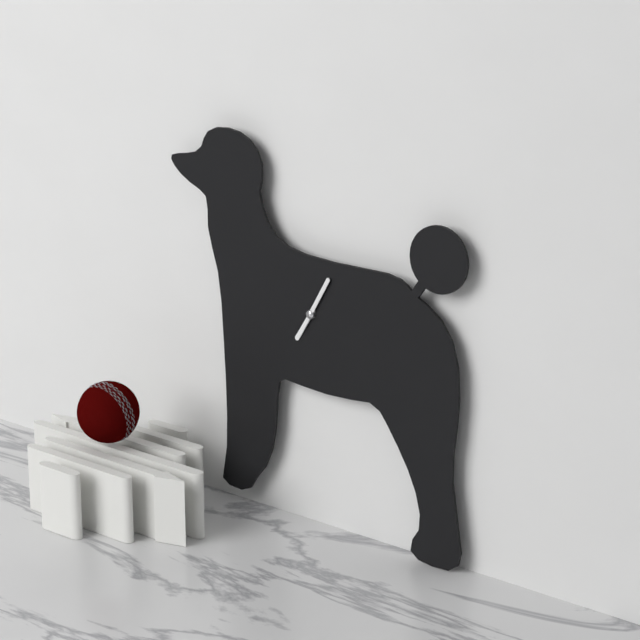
7:05
